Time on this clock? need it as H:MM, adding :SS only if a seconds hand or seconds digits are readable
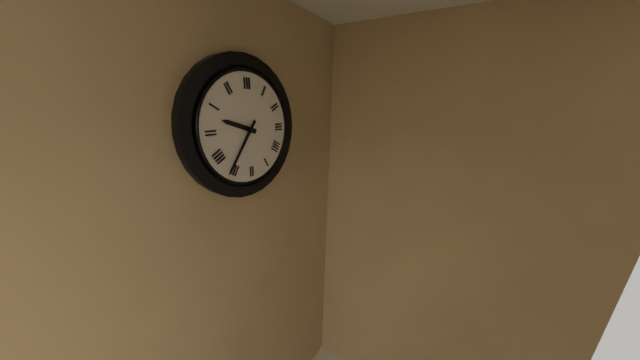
9:36
